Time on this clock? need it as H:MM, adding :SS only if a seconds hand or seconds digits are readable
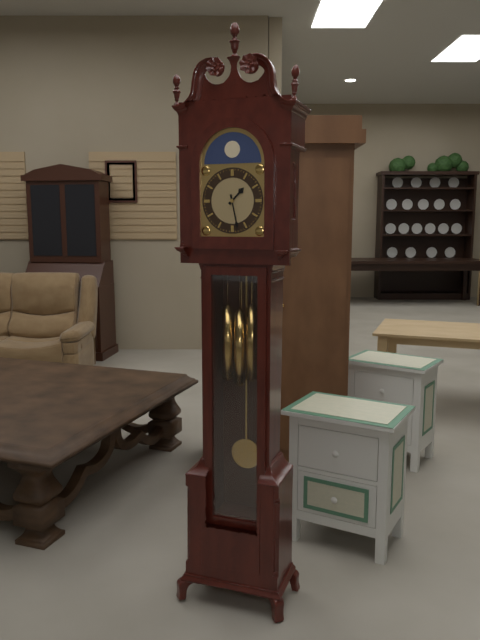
1:28
